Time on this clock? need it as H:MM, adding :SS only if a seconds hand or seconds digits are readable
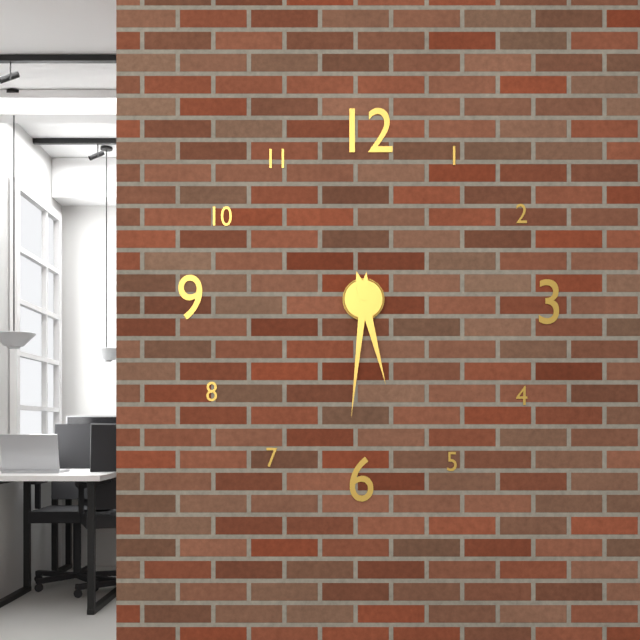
5:31
